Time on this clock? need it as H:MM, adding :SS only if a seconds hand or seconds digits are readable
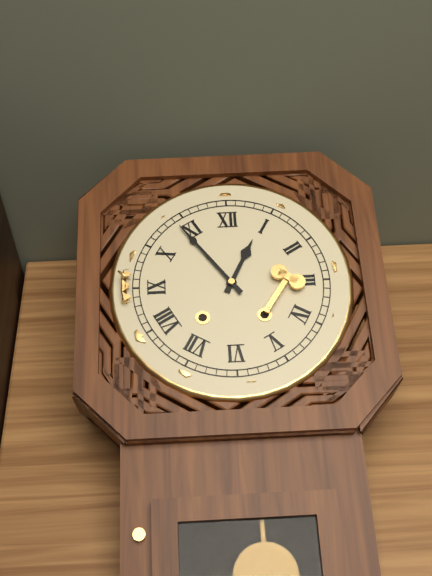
12:54
